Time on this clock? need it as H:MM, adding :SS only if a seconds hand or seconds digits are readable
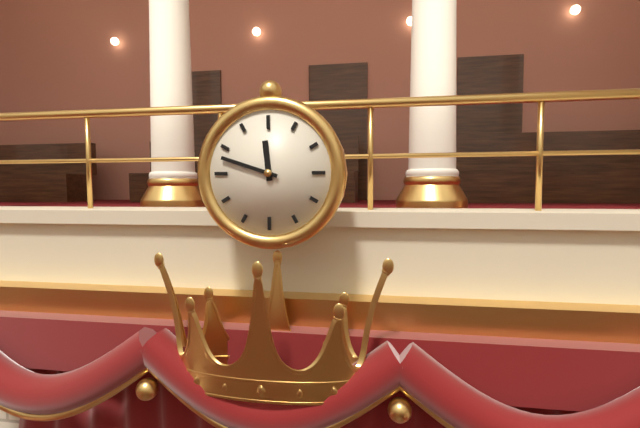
11:48
